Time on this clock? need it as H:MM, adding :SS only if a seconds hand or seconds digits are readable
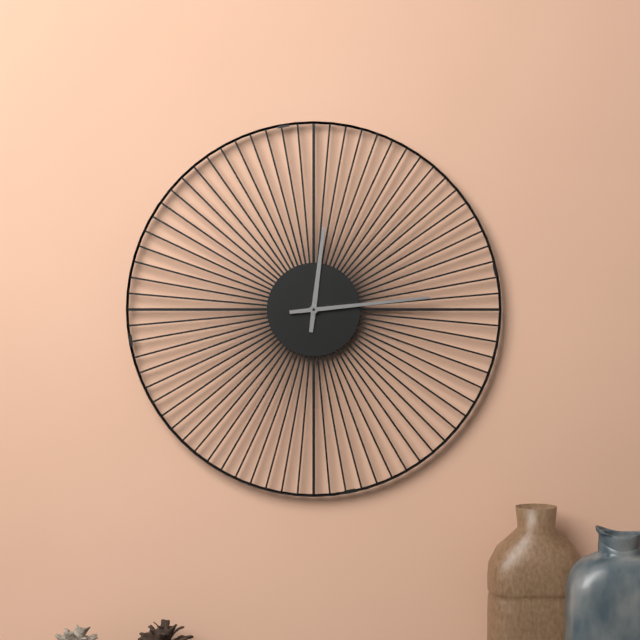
12:14
